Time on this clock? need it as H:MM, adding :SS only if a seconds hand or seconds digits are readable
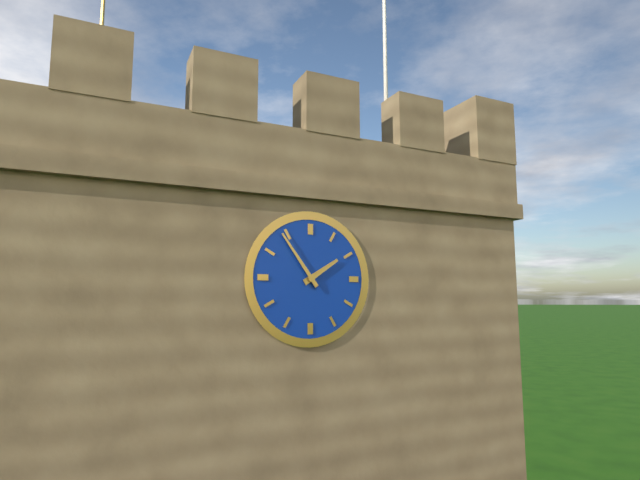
1:54
